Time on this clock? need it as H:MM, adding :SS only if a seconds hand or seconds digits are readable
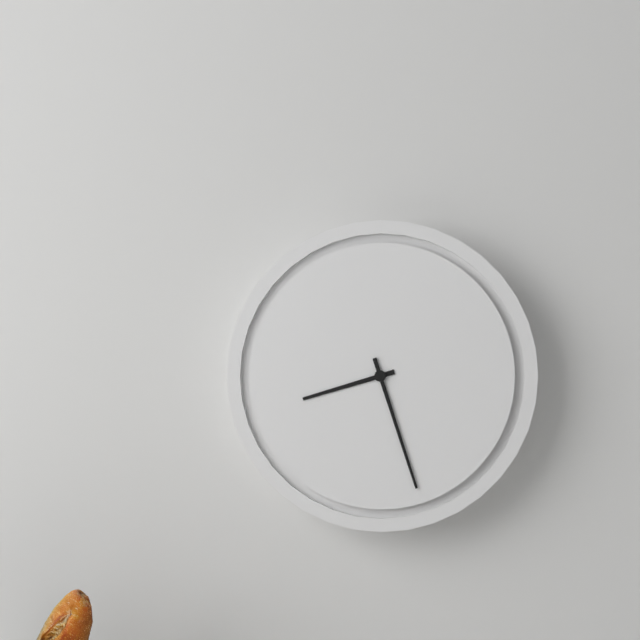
8:27
